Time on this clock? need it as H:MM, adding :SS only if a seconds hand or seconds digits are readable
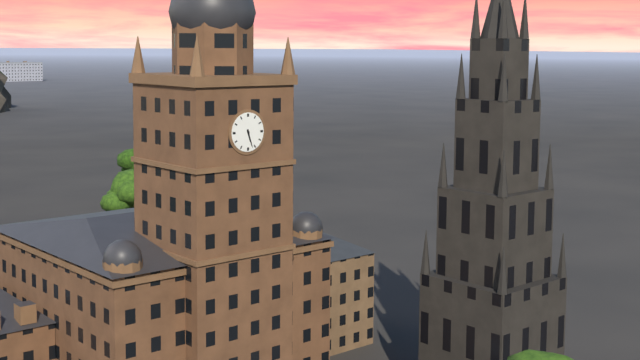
5:27
